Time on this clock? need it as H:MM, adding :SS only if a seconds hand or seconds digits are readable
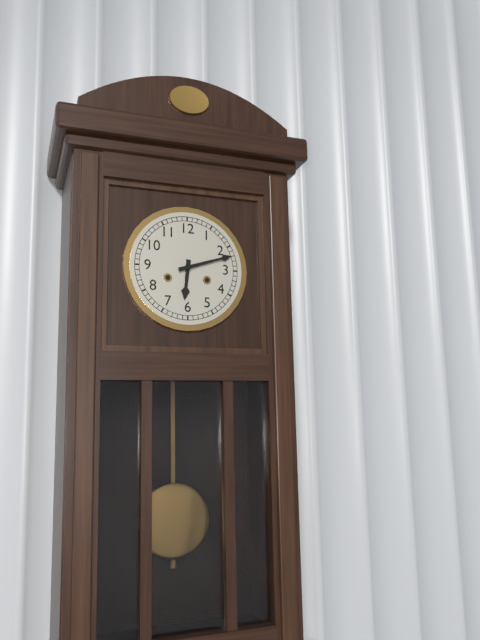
6:12
